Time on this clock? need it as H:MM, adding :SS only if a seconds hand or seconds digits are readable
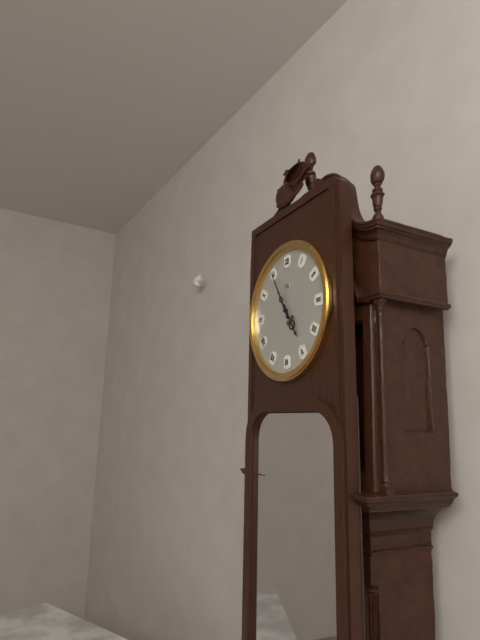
4:55
